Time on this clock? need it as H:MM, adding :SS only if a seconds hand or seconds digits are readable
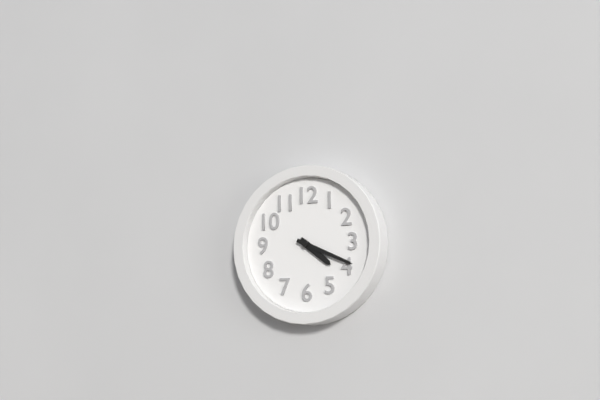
4:19
